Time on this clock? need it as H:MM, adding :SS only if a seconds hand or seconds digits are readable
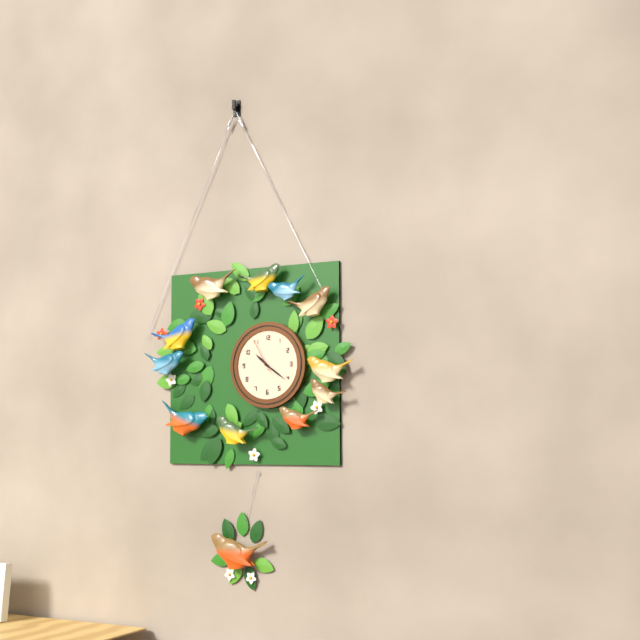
10:21
